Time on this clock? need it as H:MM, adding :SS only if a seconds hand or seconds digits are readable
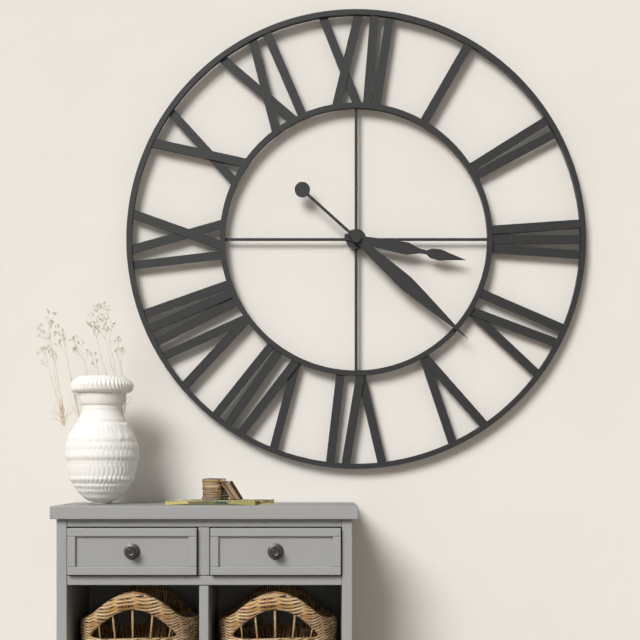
3:22
